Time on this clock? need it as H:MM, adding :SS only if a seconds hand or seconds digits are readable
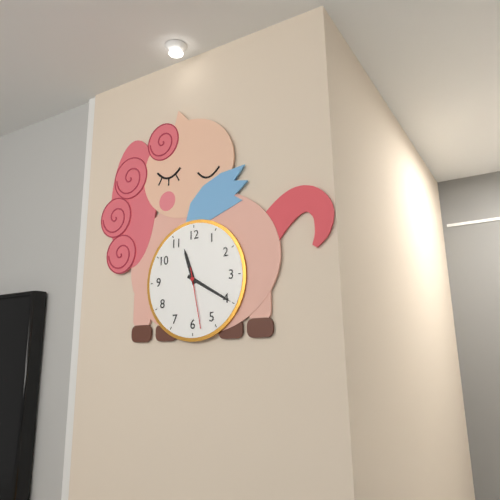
11:20:28
